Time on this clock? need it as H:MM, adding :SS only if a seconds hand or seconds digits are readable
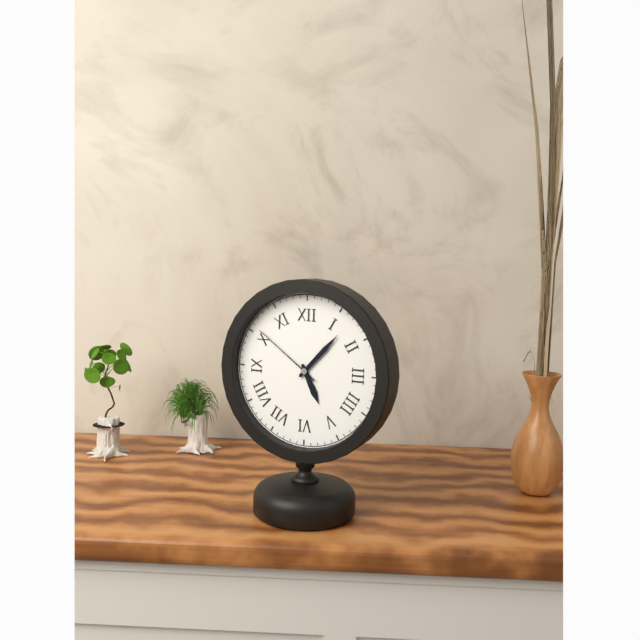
5:07:51
